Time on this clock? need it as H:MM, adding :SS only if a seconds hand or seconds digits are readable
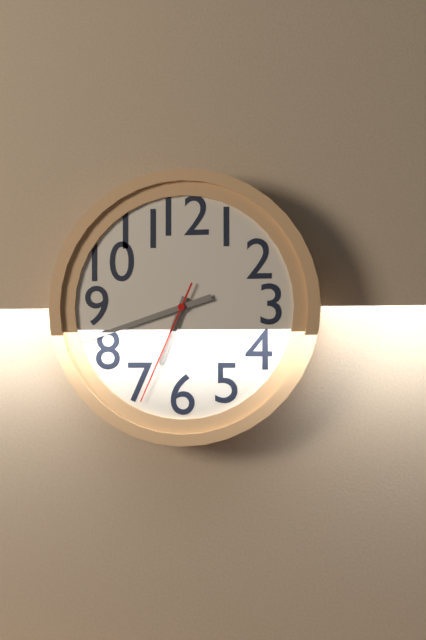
6:42:34
